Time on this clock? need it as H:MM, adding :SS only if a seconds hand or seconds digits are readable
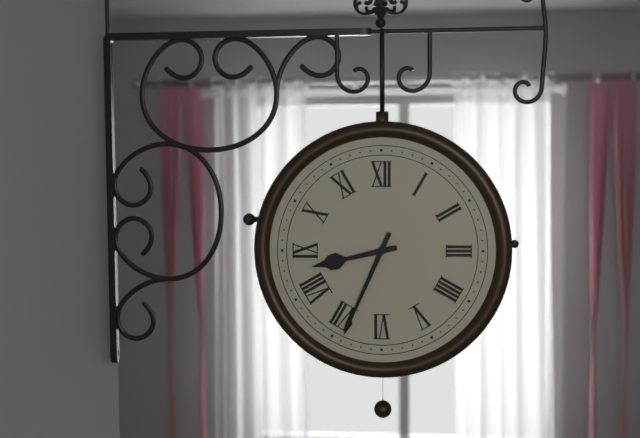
8:34
